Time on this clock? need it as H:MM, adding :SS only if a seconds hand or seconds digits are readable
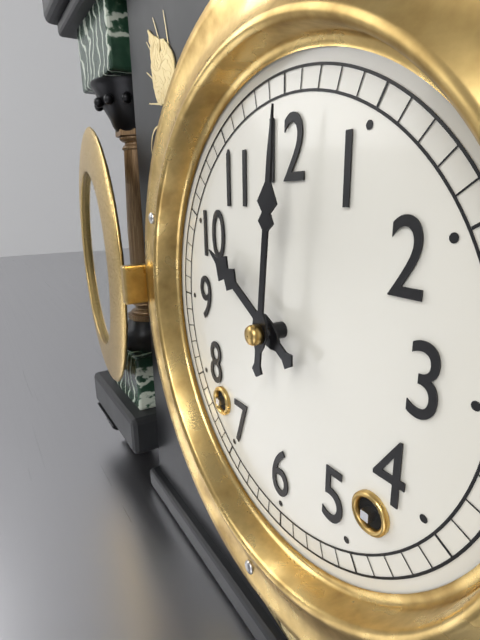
10:01
